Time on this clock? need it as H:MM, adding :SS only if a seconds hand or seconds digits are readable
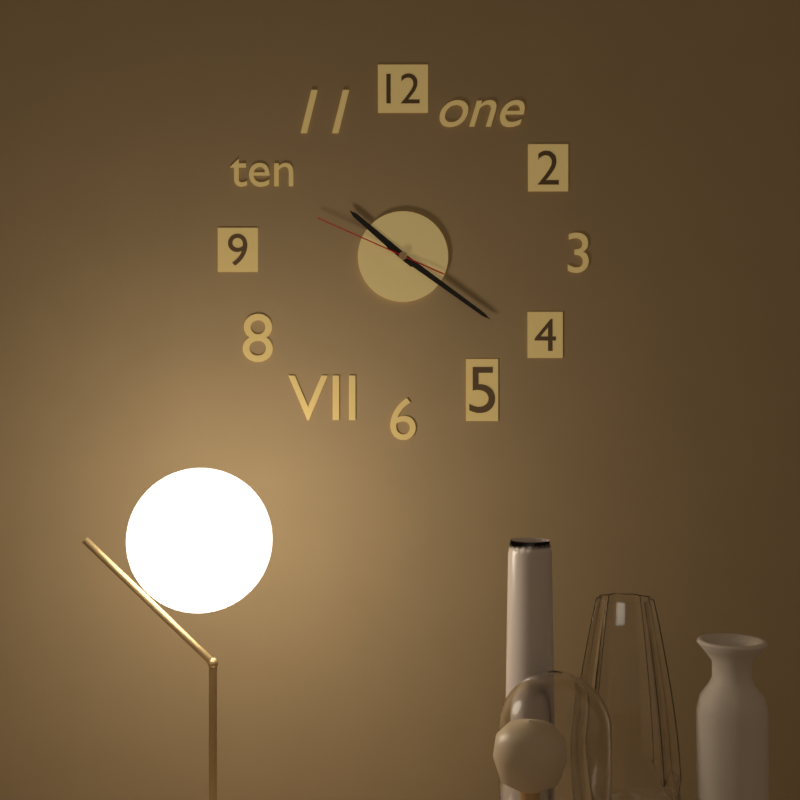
10:21:49
